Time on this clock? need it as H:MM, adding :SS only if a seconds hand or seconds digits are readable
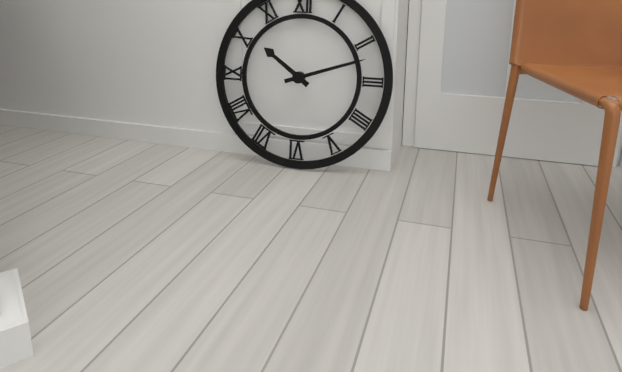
10:12
